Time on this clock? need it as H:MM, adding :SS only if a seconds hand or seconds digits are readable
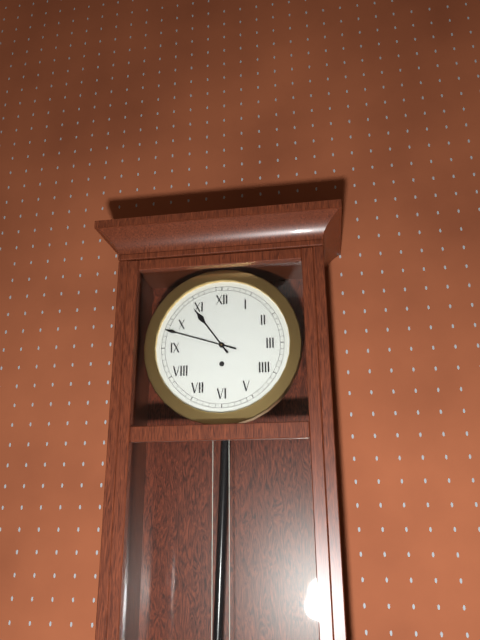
10:48
